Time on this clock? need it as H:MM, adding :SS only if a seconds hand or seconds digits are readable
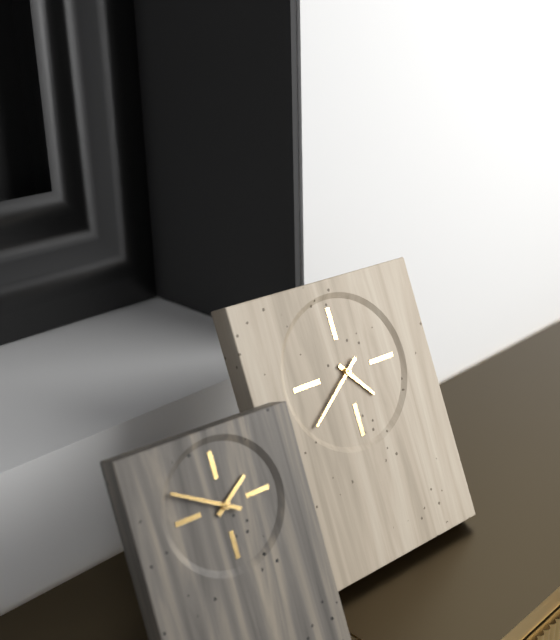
4:39
